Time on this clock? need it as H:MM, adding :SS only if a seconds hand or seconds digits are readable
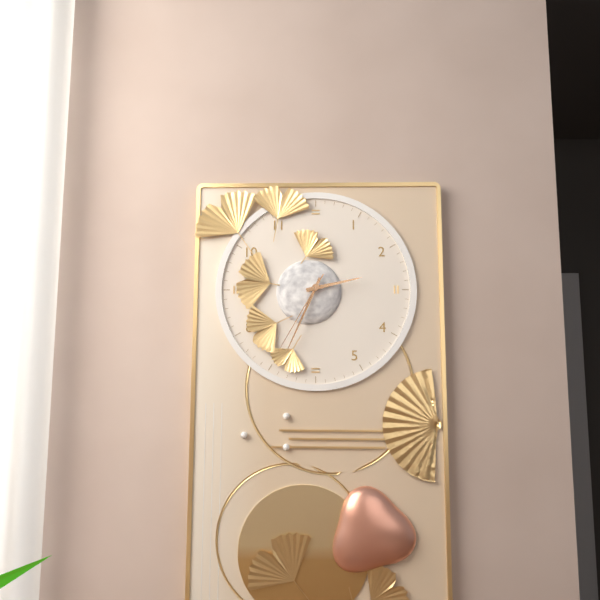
2:34:35
